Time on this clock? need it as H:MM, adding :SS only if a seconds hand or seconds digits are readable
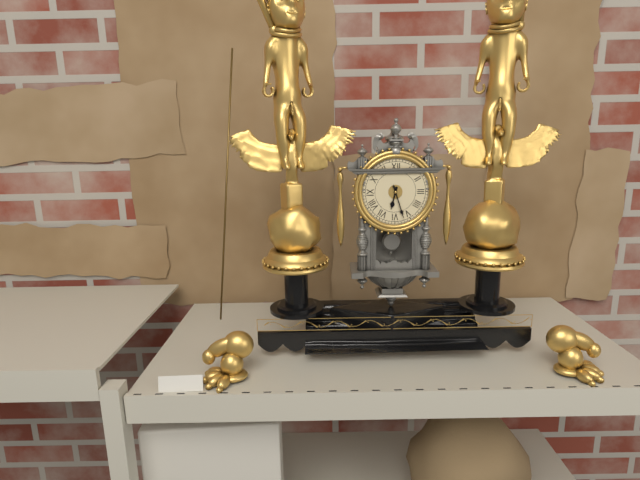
6:27
